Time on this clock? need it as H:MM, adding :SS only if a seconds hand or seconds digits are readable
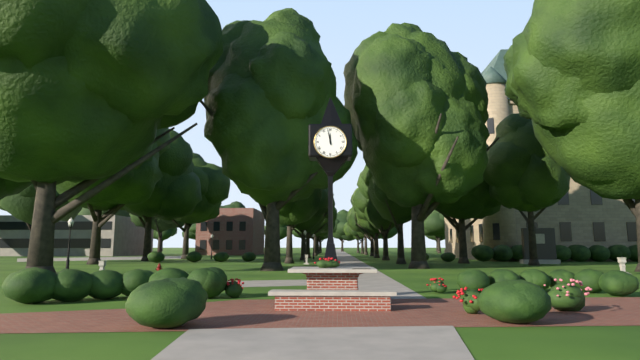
11:58
